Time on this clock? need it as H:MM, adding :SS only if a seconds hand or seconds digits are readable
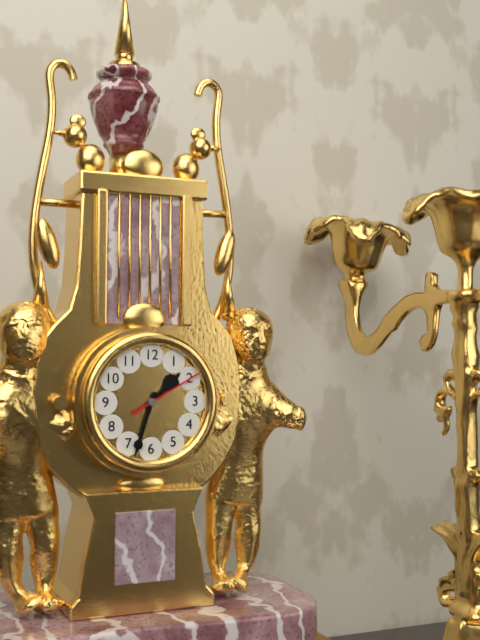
1:33:10
